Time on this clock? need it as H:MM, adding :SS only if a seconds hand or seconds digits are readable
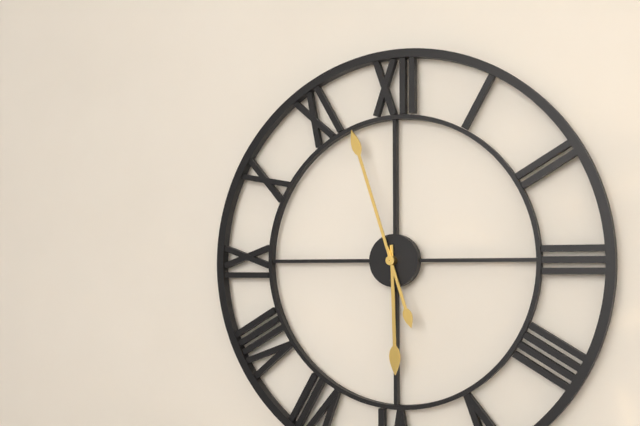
5:57
